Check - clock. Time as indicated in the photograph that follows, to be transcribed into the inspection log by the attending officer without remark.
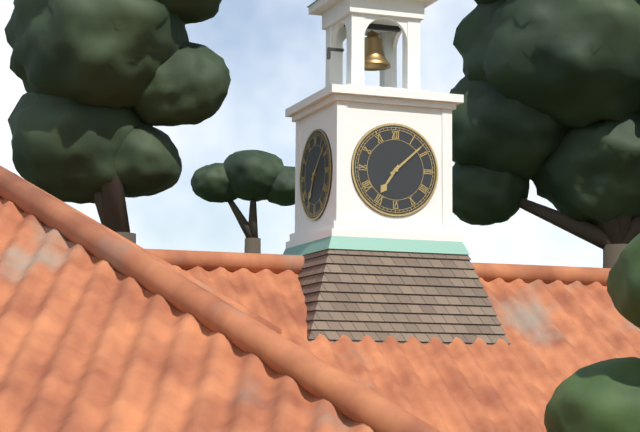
7:08
